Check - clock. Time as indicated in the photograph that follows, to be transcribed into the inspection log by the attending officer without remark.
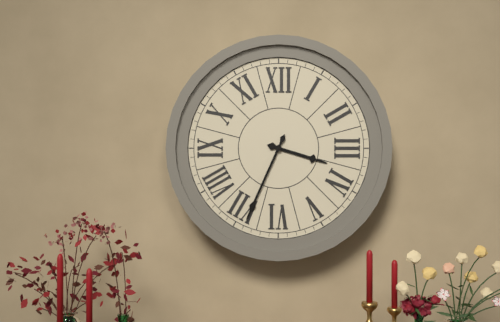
3:34
